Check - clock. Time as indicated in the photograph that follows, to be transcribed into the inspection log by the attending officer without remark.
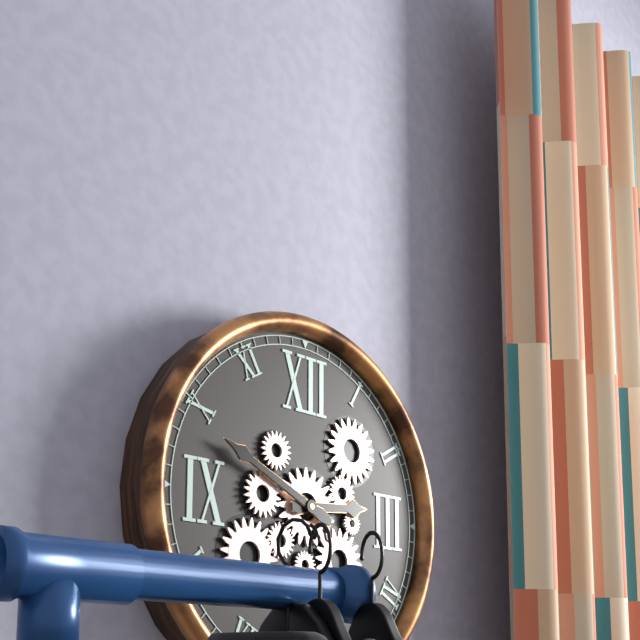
2:49
